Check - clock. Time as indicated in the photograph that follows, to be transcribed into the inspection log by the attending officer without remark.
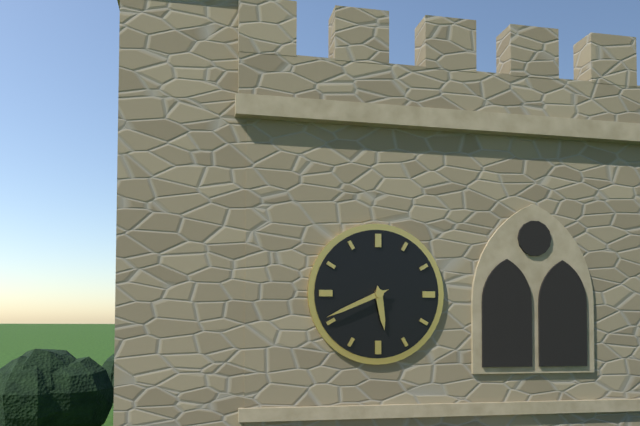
5:41
